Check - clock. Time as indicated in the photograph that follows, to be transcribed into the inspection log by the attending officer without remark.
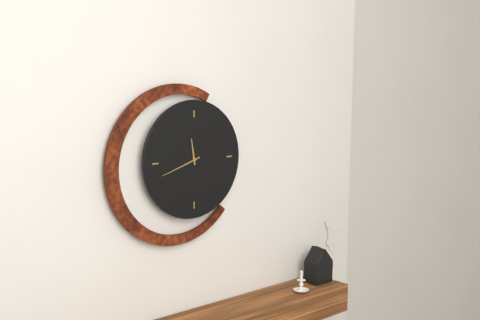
11:42
